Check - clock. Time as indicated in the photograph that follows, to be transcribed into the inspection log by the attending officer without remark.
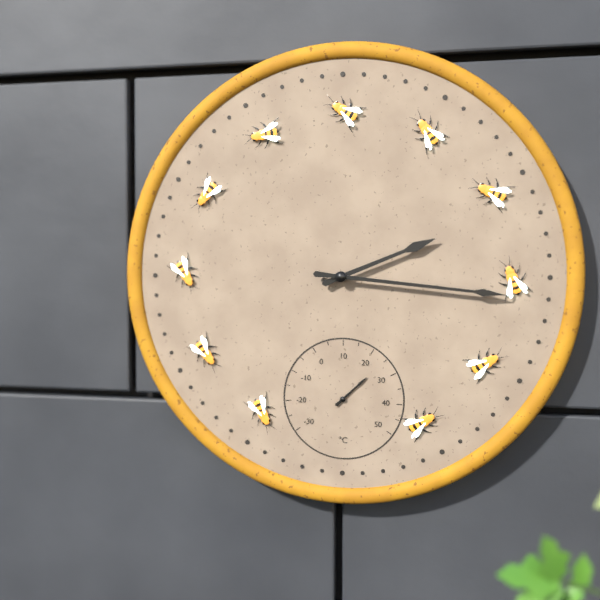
2:16
